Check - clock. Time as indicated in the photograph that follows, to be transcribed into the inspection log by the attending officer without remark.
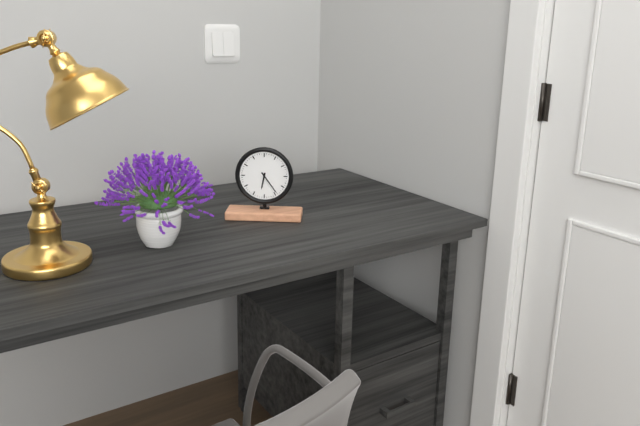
6:24
